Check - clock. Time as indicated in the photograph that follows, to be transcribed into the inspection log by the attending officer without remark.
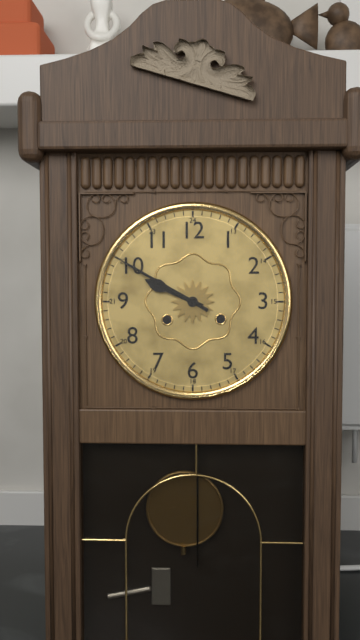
9:50
